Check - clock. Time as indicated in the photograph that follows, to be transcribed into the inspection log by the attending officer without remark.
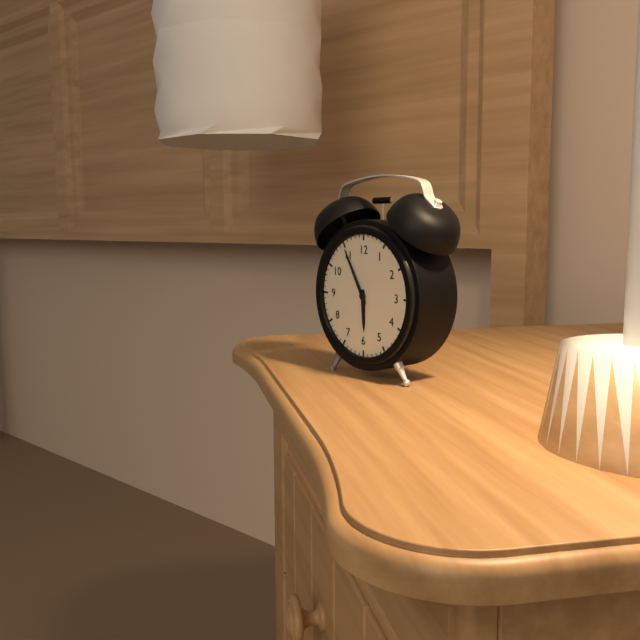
5:55
